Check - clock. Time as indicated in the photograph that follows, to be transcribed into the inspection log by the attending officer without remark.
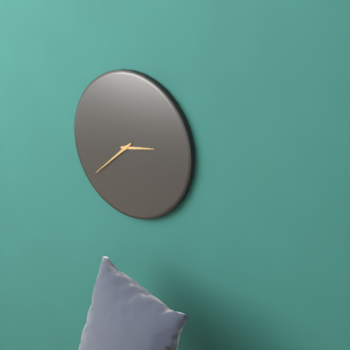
2:38
